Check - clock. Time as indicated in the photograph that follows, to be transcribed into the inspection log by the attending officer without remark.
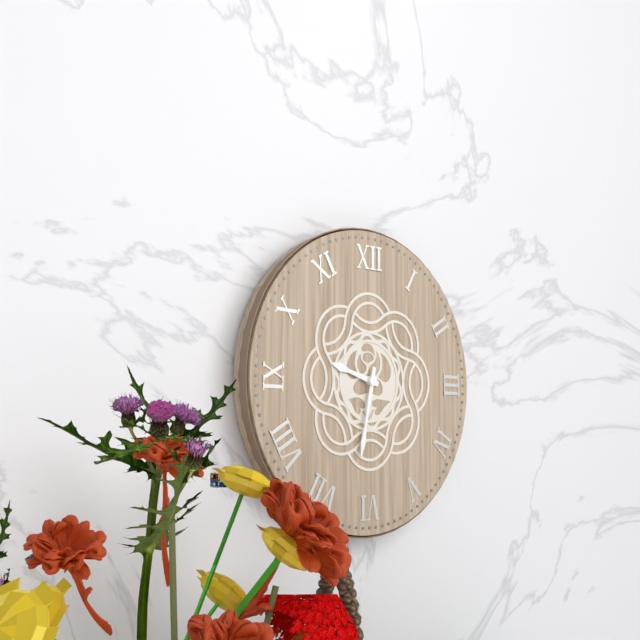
9:32
